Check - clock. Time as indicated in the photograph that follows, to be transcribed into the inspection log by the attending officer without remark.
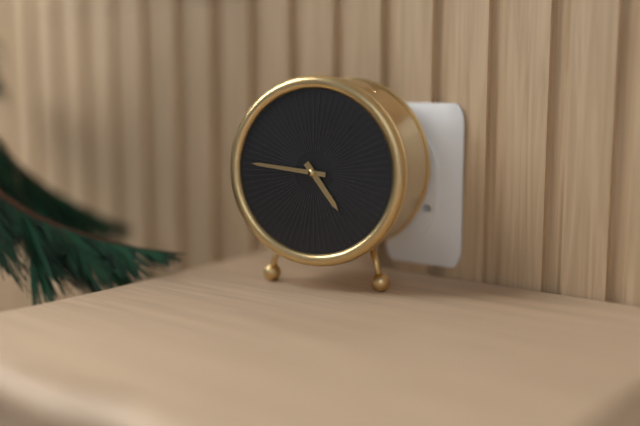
4:46
